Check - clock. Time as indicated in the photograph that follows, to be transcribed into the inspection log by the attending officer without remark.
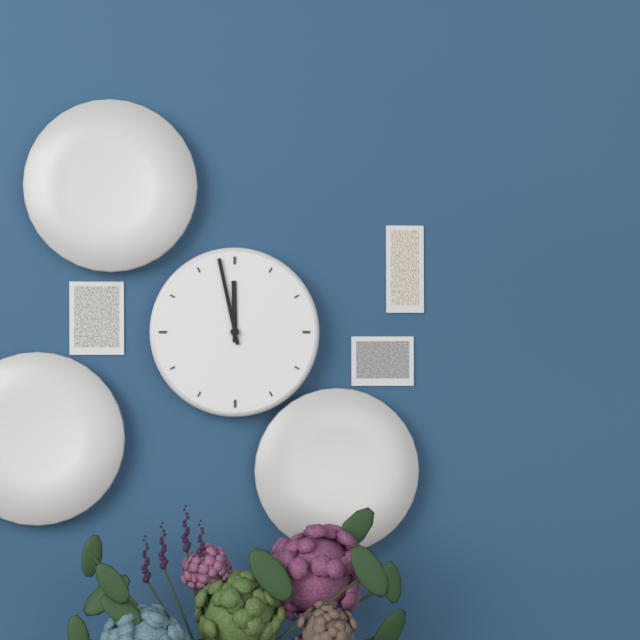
11:58
